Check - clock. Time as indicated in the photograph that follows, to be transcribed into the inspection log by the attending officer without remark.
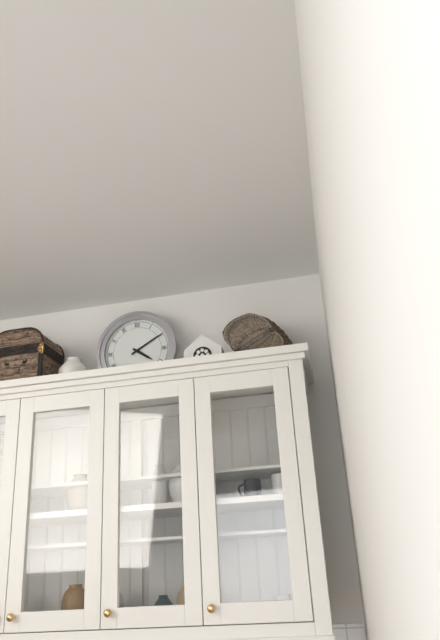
4:10
